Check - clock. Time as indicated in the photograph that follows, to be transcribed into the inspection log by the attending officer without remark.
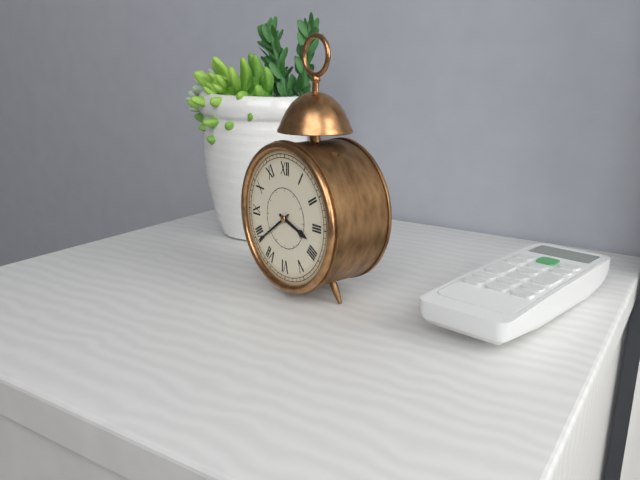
3:39
